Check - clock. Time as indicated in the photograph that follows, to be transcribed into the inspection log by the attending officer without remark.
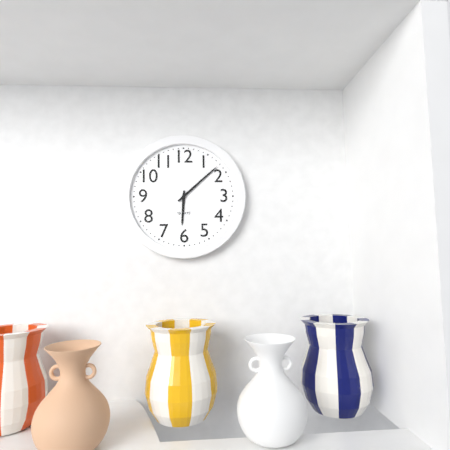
6:08
